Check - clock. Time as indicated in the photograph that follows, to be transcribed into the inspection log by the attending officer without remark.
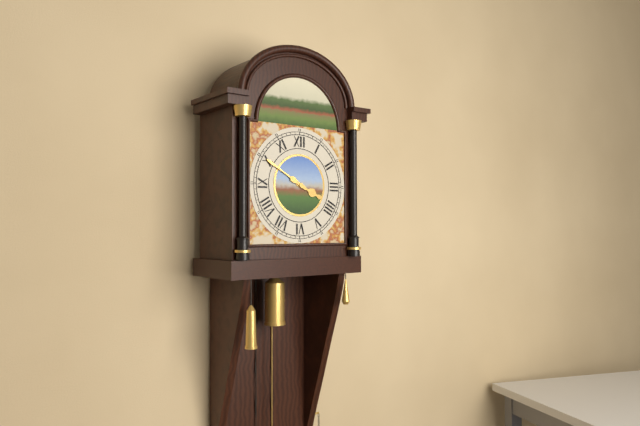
3:50
